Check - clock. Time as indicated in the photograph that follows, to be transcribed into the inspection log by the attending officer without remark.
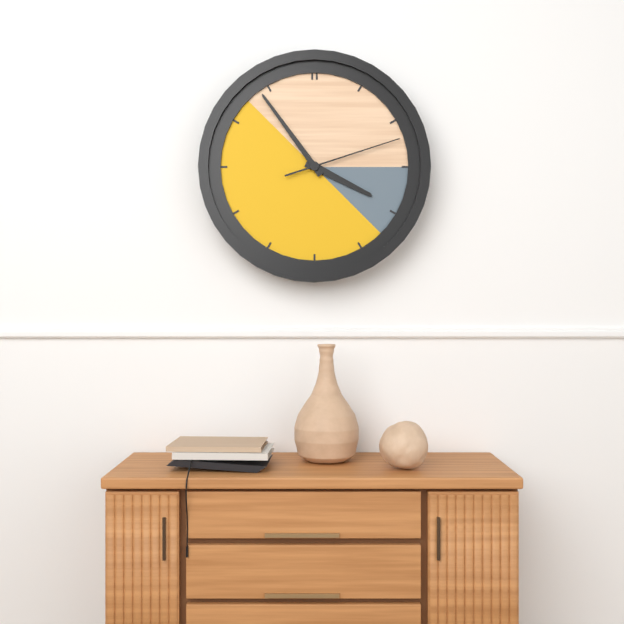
3:54:12
